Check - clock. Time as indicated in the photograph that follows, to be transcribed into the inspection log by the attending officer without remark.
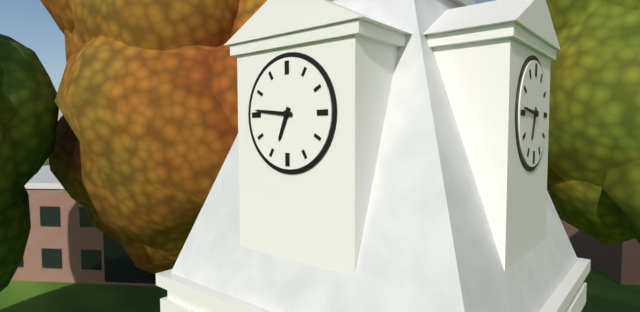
6:46
